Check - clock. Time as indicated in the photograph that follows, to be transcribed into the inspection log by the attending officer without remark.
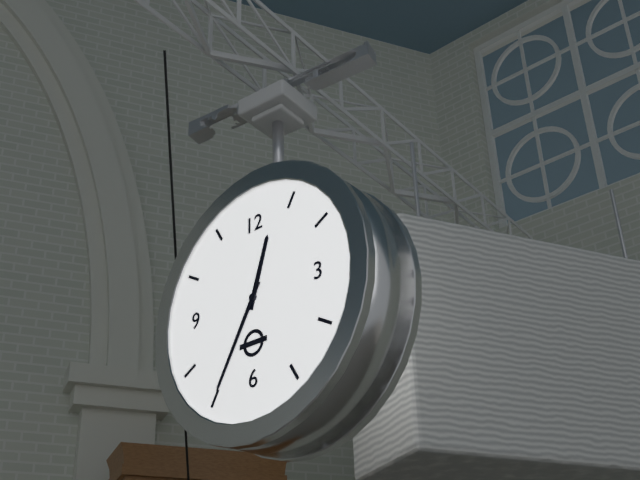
12:35
